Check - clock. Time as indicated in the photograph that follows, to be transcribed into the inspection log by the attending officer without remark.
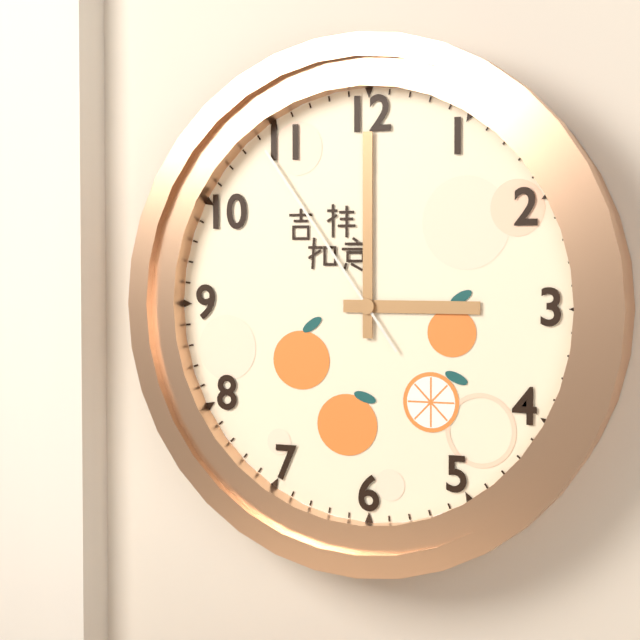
3:00:54
